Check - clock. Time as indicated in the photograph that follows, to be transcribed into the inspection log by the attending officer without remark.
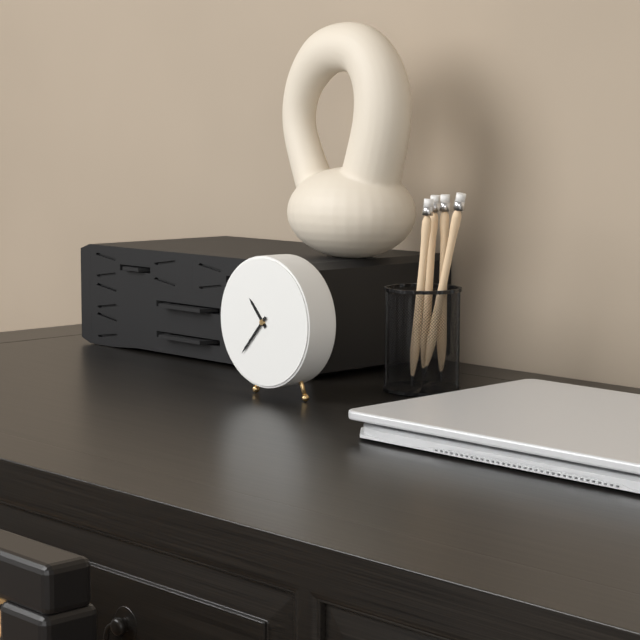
10:37
